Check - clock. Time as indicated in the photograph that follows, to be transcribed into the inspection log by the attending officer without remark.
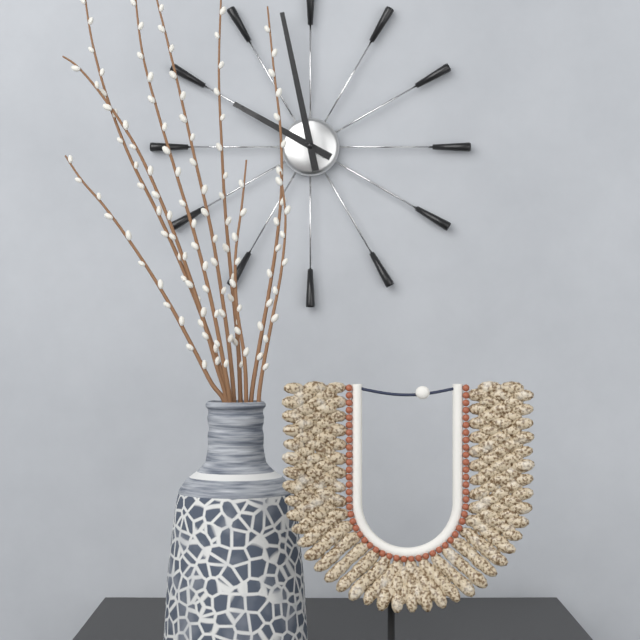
9:58
